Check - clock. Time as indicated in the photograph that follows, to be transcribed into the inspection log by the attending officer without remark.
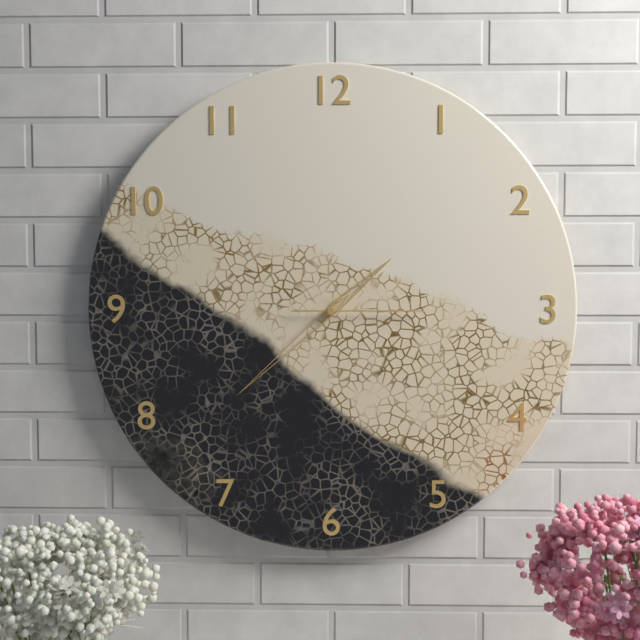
1:38:15
